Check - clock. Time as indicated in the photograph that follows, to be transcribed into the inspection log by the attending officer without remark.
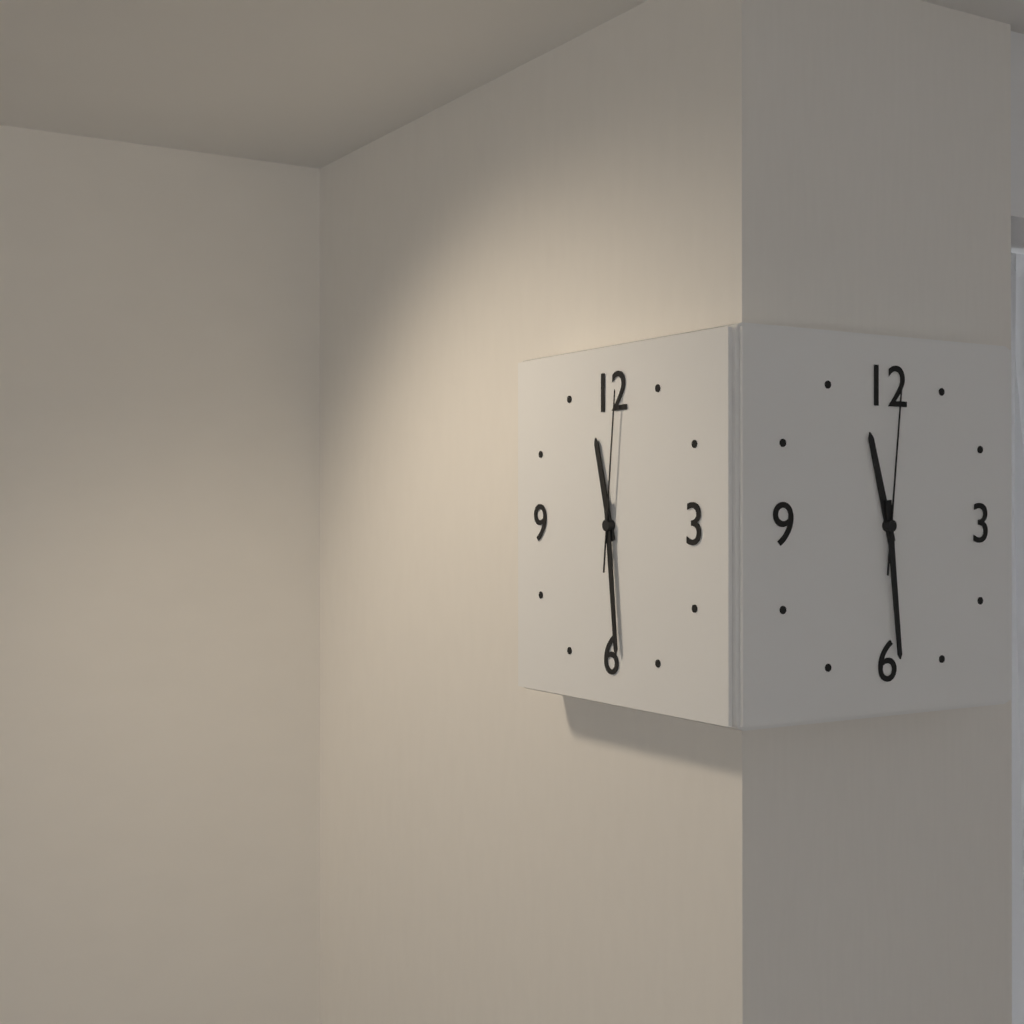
11:29:01
